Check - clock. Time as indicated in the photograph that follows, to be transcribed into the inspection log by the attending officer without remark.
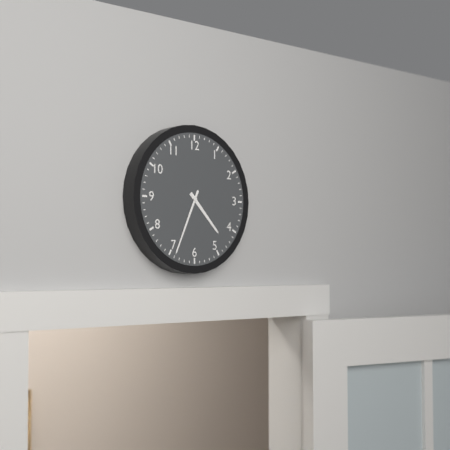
4:34
